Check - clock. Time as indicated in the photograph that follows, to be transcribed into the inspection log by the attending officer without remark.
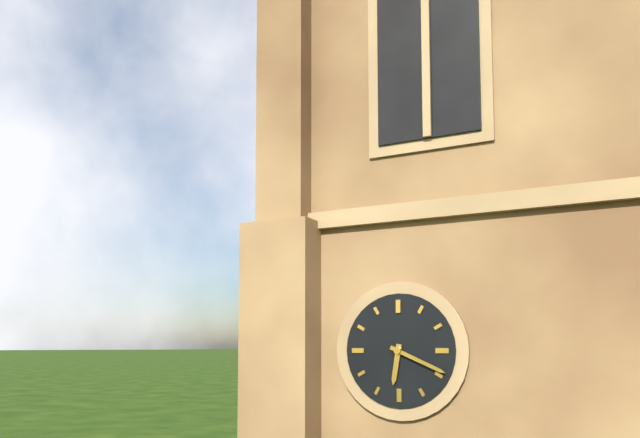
6:19
